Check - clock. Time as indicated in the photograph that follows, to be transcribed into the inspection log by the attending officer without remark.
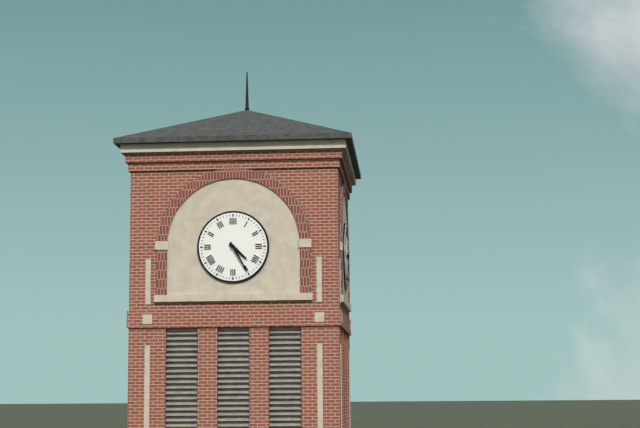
4:25
